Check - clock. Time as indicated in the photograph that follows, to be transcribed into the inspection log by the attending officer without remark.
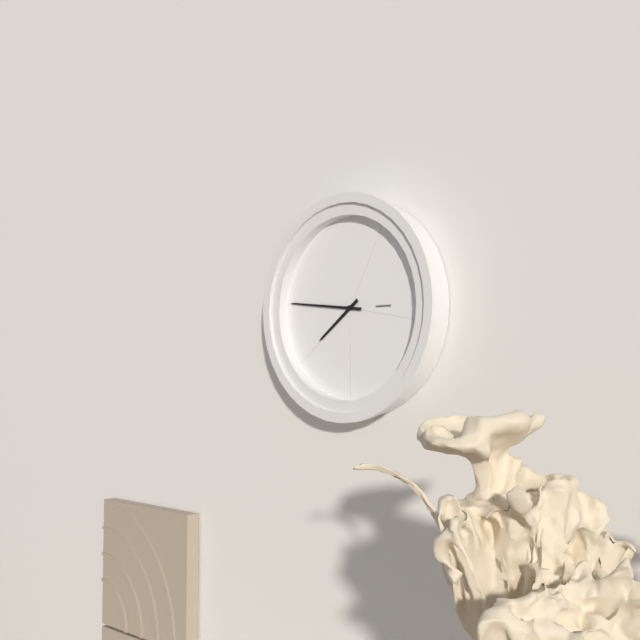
7:46
